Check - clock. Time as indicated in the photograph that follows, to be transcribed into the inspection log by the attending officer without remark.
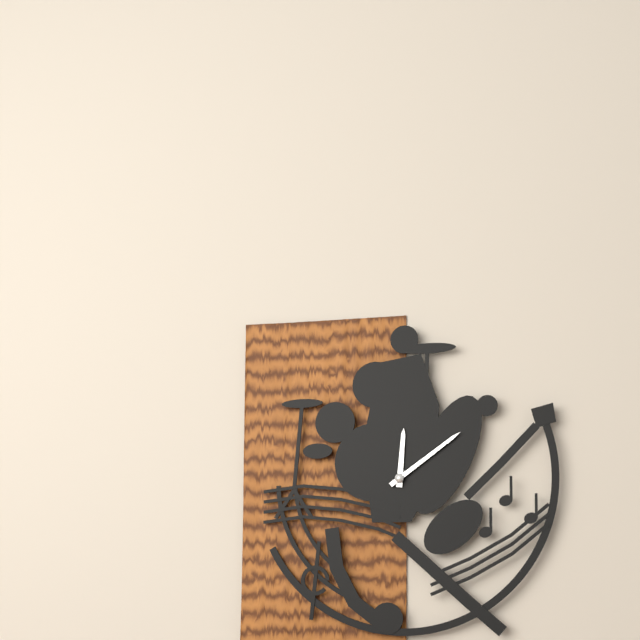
12:09
